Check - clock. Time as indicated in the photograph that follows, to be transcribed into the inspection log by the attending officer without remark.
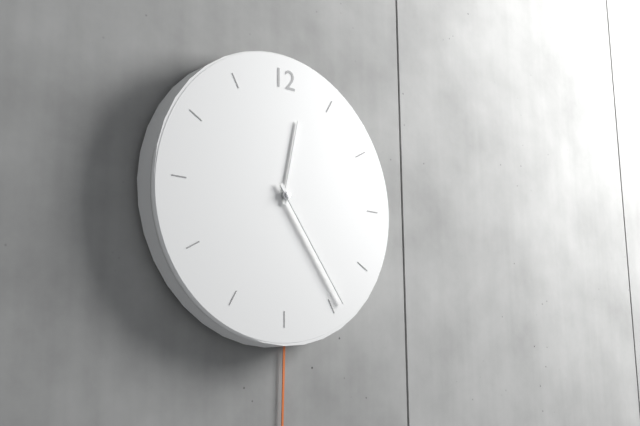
12:24
